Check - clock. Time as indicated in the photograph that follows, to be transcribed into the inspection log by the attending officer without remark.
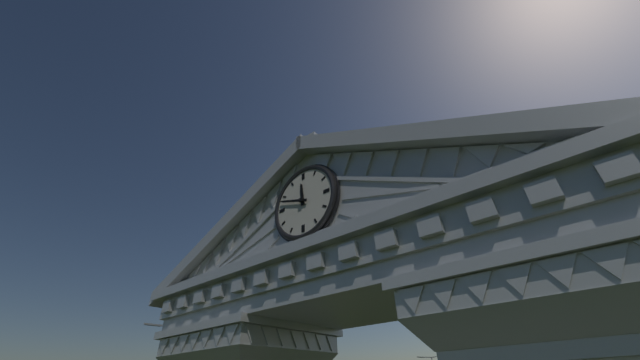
11:48
